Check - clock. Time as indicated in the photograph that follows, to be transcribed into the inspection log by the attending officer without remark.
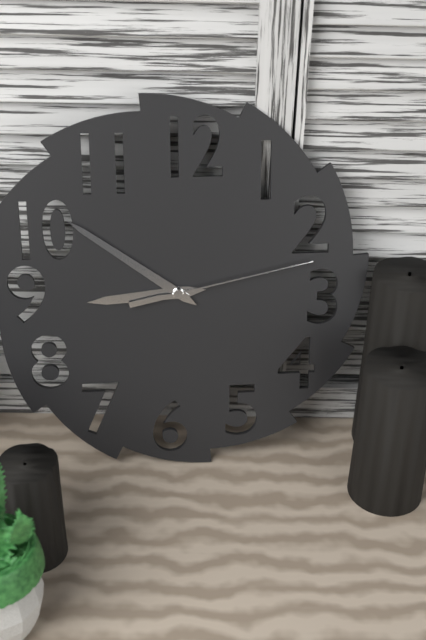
8:51:13
